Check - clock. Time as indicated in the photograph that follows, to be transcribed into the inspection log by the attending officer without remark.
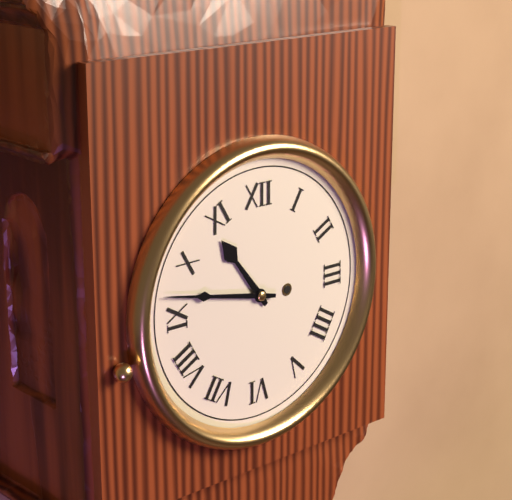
10:47
